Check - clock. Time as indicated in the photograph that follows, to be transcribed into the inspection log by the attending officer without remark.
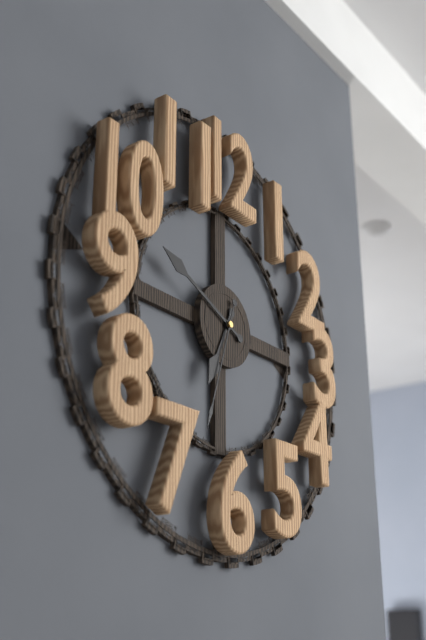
6:49:33
